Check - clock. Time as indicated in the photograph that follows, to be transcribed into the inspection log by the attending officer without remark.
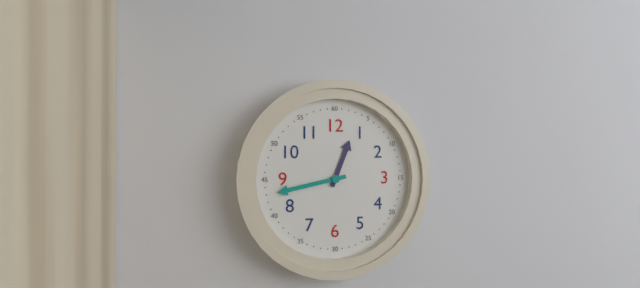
12:43
